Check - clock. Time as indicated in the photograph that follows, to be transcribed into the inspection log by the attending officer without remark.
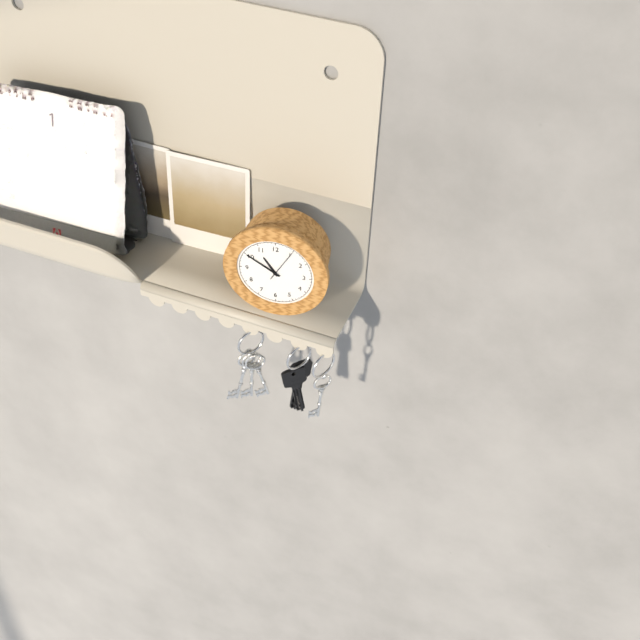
10:50
